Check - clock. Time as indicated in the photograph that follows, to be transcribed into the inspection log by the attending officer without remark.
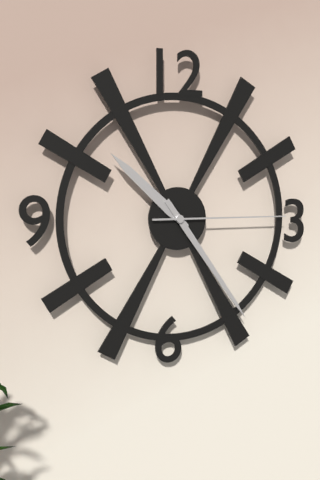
10:24:15
